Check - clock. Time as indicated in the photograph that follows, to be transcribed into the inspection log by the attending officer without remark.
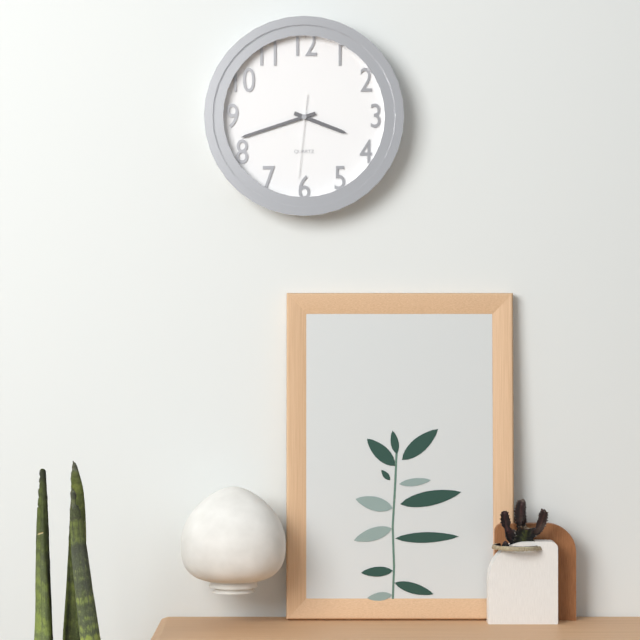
3:42:31
